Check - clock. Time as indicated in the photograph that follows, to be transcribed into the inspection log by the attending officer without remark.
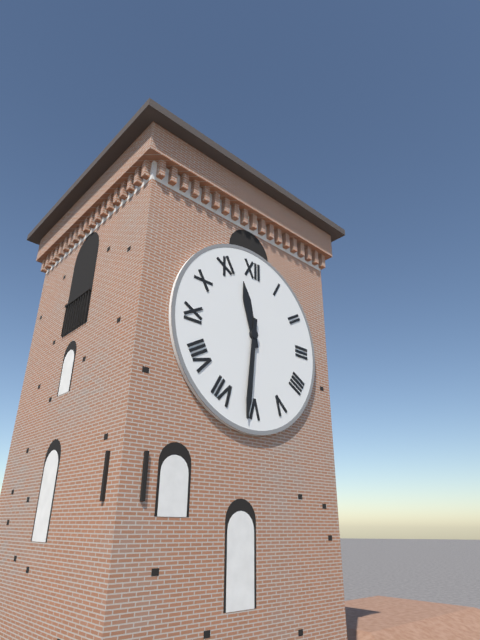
11:31
